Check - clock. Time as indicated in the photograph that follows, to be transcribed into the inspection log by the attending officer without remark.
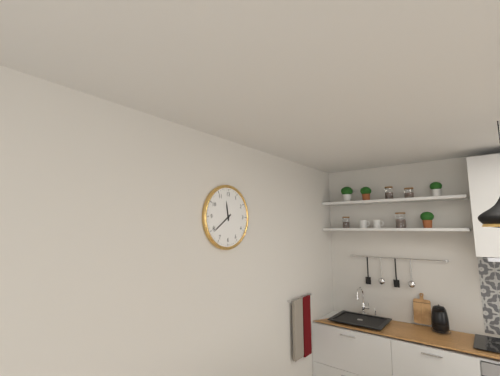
11:39
